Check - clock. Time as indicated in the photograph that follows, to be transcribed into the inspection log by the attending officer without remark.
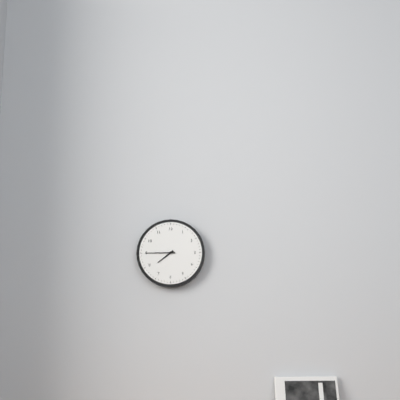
7:45
